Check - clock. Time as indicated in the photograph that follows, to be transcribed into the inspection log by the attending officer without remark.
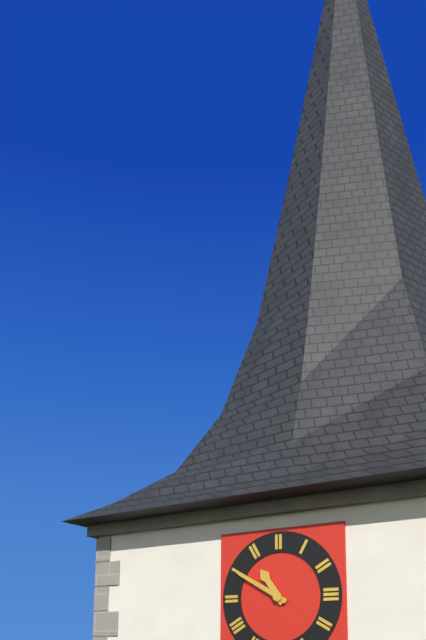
10:50
